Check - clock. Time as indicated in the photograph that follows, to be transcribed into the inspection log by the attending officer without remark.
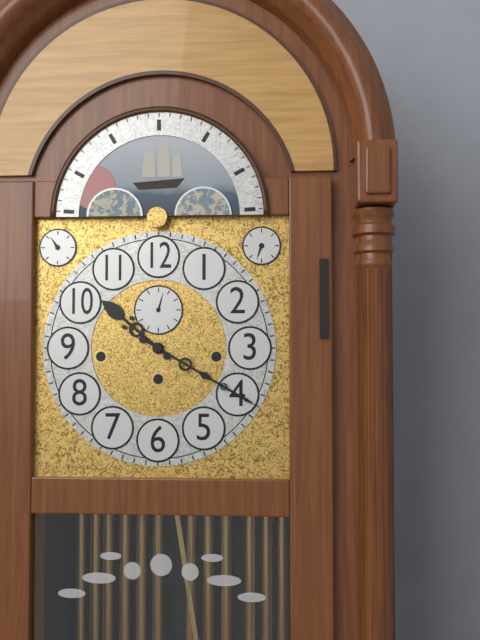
10:20
